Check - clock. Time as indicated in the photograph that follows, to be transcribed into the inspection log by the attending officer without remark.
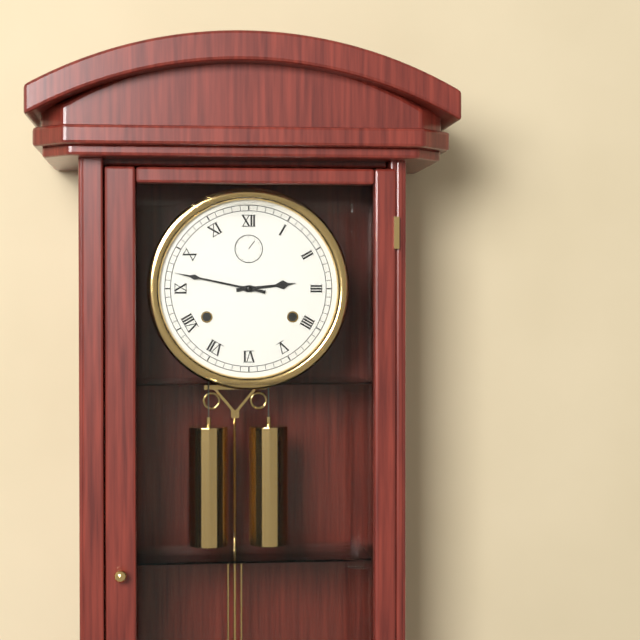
2:47
